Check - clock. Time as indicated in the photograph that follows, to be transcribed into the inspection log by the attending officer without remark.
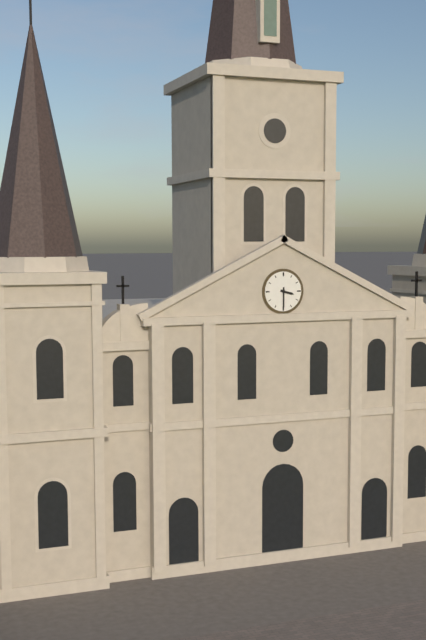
3:30
